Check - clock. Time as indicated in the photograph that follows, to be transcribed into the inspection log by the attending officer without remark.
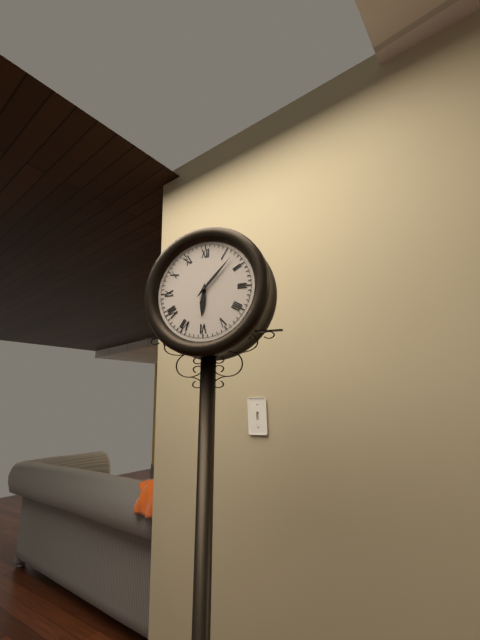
6:07
